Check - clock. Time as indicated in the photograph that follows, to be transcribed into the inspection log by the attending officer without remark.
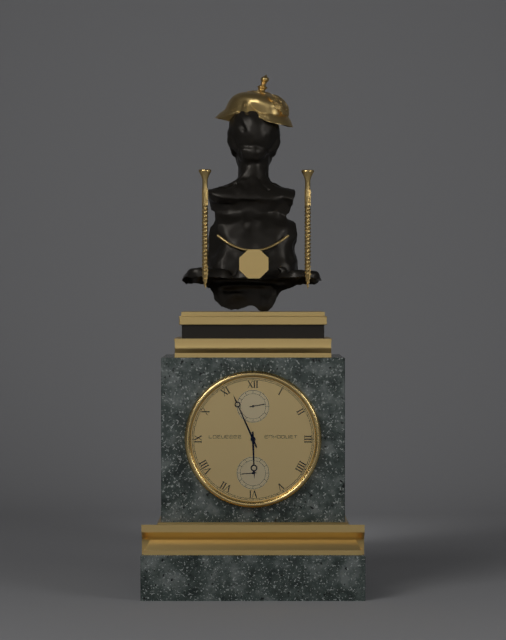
5:56
